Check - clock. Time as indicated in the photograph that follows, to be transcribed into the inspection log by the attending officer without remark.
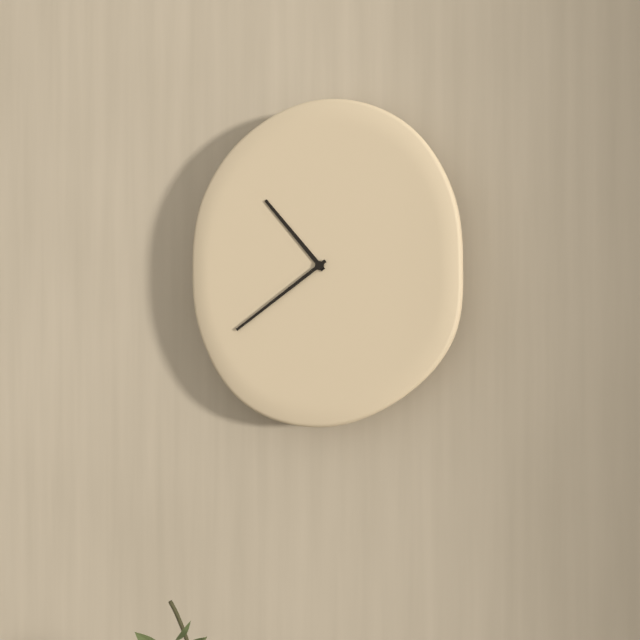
10:39
